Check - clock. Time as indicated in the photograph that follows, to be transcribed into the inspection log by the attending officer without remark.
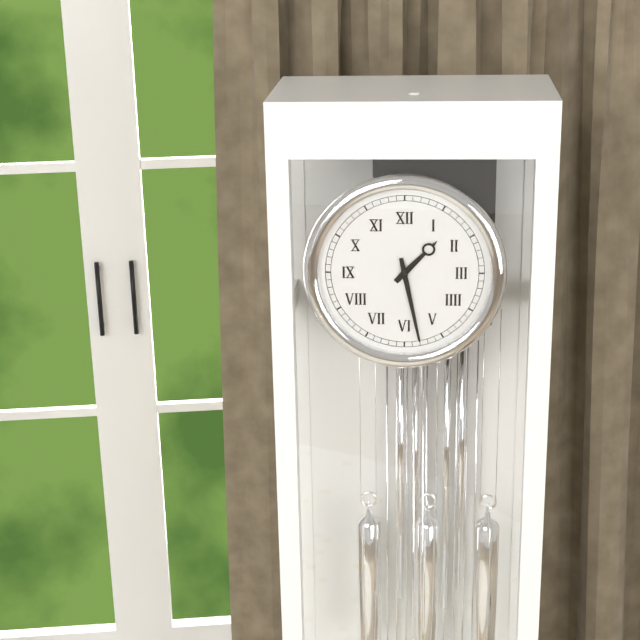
1:28
